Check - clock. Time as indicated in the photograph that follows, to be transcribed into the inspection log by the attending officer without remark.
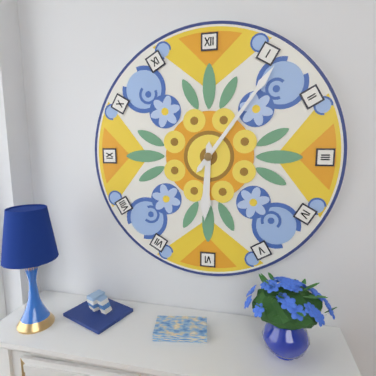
6:06
